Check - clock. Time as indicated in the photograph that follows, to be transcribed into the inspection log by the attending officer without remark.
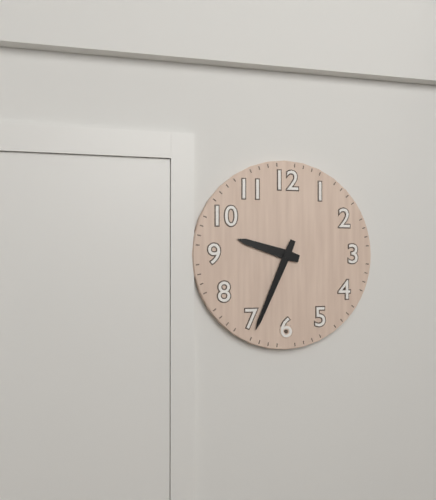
9:34
